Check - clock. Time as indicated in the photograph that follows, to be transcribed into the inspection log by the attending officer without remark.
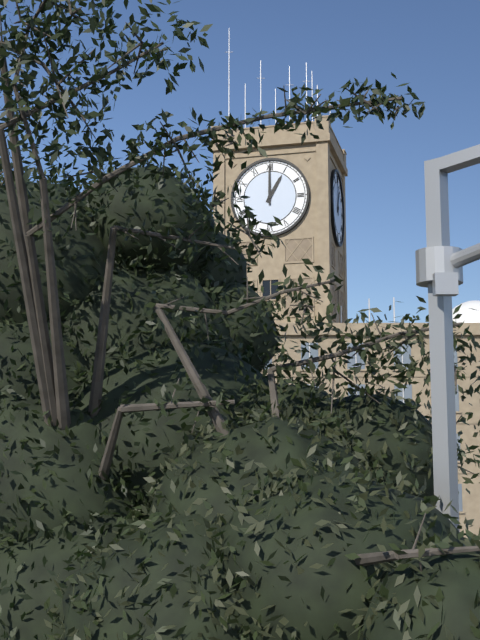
1:00
